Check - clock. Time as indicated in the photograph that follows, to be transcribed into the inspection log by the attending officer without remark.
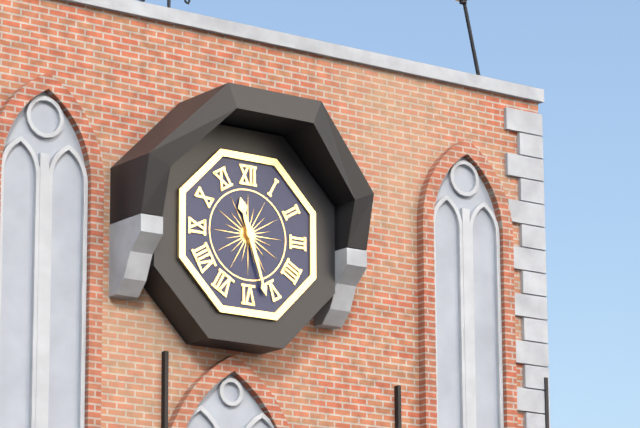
11:27
